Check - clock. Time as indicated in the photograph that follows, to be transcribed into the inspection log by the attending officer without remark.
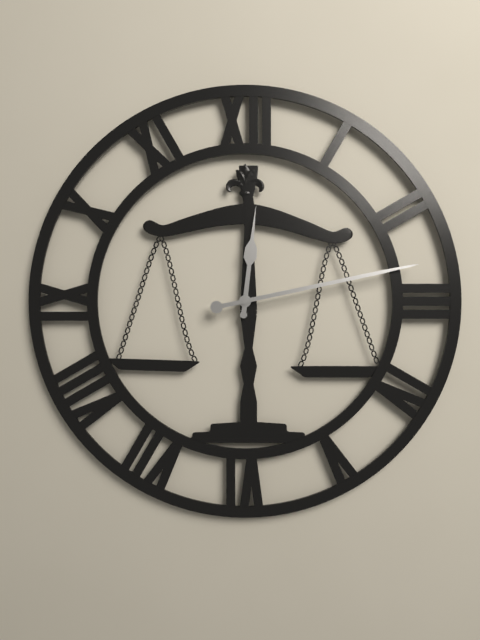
12:13
